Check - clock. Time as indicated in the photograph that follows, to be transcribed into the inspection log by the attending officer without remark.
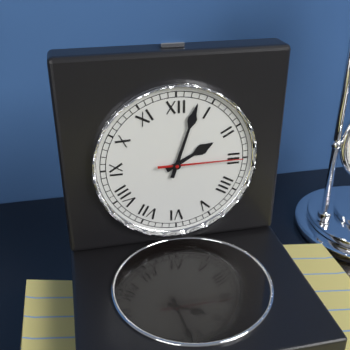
2:03:15
